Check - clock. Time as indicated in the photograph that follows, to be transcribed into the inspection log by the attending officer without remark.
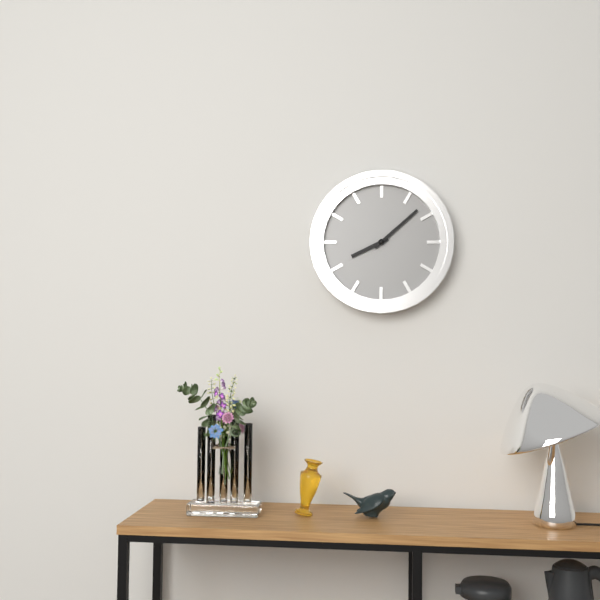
8:08
